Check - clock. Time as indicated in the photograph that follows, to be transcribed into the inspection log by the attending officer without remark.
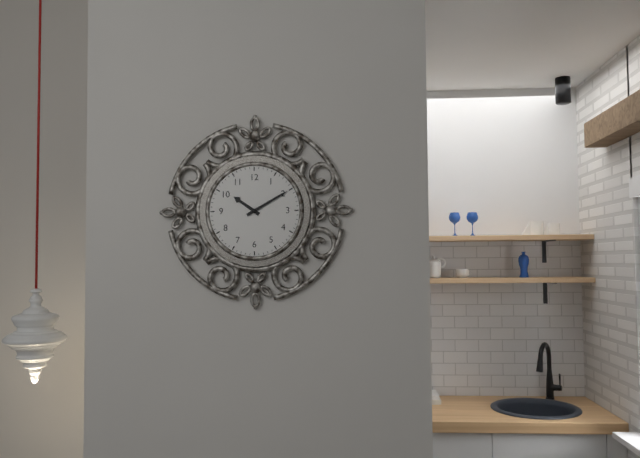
10:10
